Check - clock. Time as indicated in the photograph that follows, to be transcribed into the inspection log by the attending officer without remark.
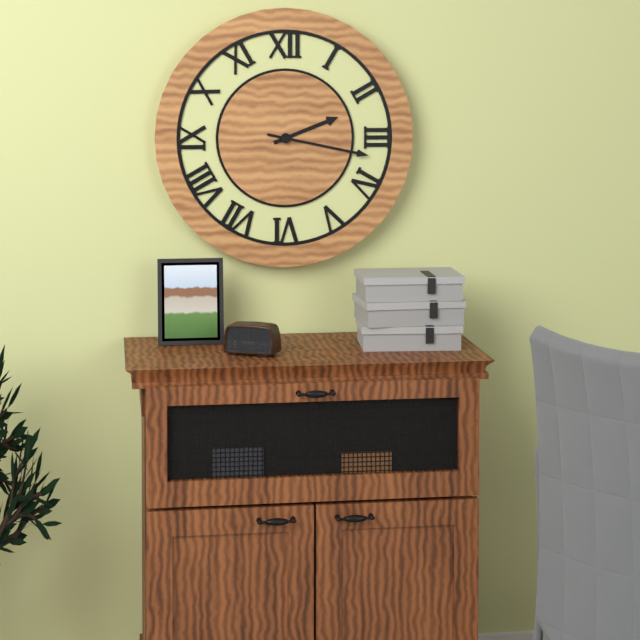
2:17
